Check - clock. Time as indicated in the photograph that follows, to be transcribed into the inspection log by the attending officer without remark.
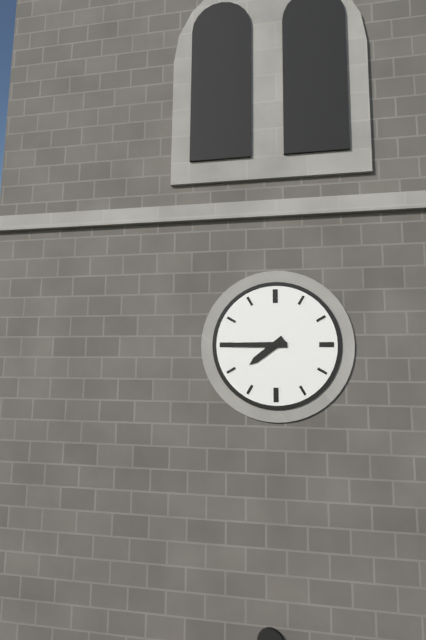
7:45
